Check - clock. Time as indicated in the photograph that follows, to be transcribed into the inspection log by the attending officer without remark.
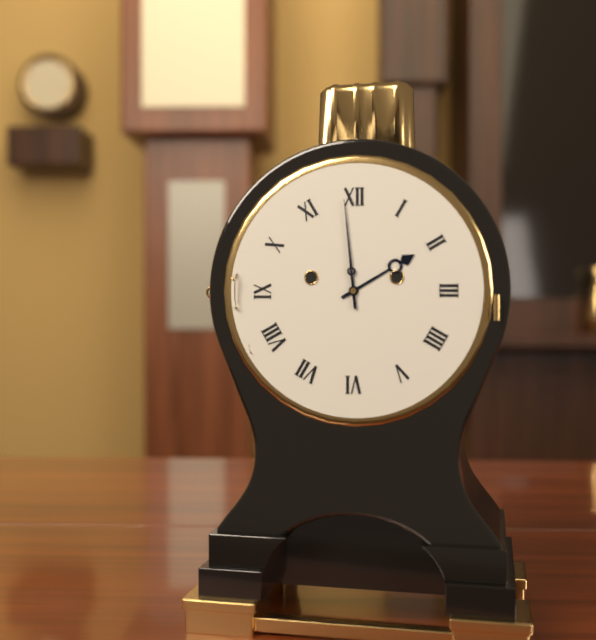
1:59
